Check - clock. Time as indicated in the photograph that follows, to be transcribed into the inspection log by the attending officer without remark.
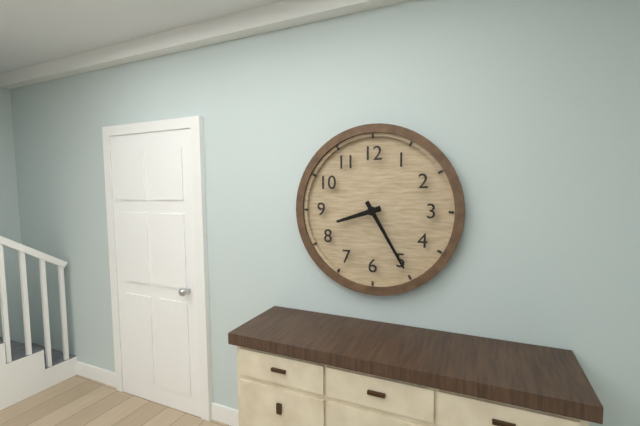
8:25
